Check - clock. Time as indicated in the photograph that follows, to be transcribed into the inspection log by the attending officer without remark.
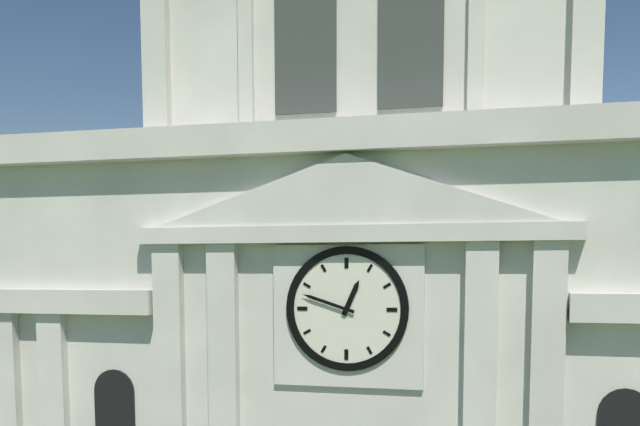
12:48
